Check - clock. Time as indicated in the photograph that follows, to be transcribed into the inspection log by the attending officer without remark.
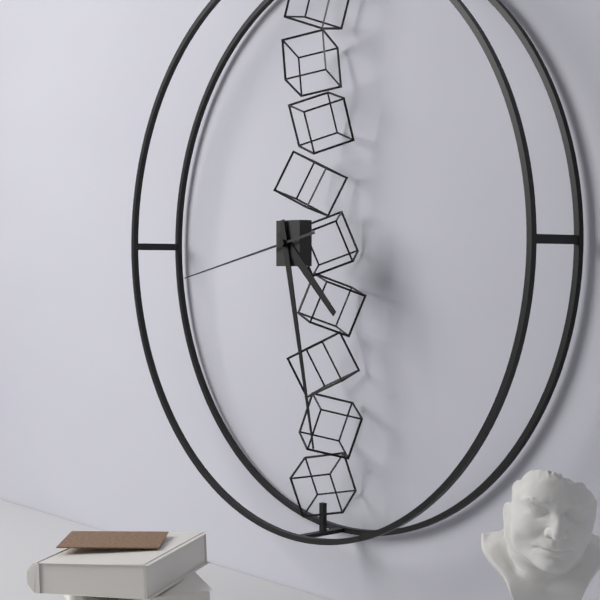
4:28:43
